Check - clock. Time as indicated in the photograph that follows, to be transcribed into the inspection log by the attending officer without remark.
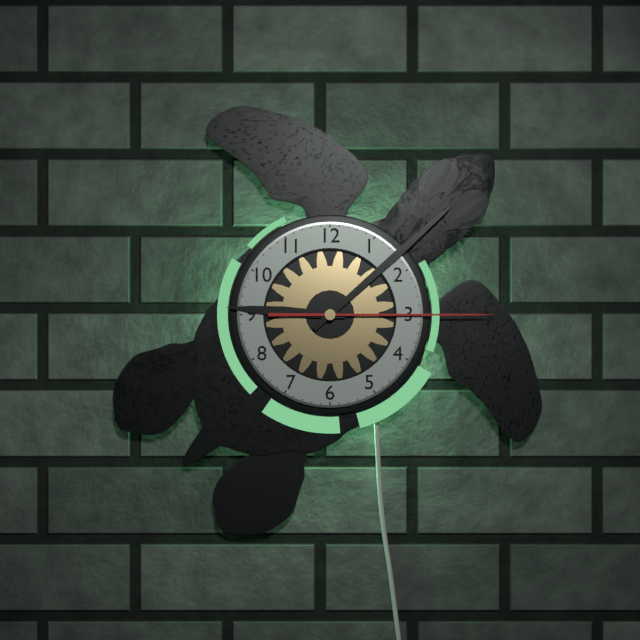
9:08:15
